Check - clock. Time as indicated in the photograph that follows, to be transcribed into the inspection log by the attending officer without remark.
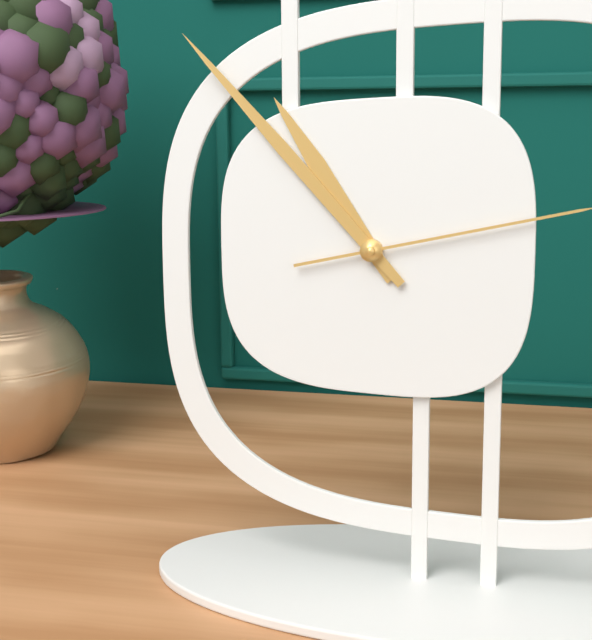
10:53
